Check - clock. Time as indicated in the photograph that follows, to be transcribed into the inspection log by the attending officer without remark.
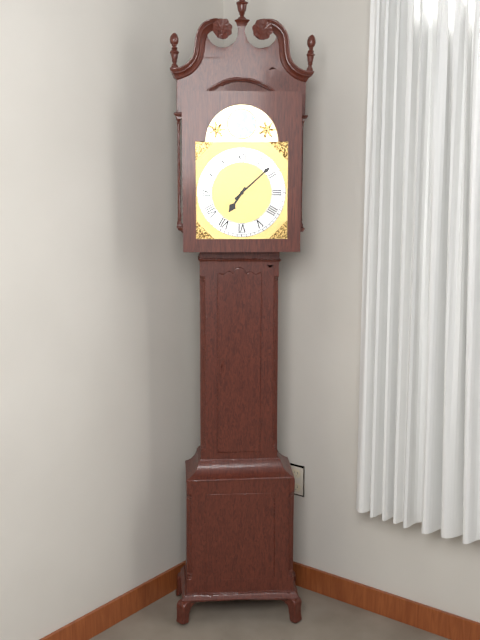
7:08
